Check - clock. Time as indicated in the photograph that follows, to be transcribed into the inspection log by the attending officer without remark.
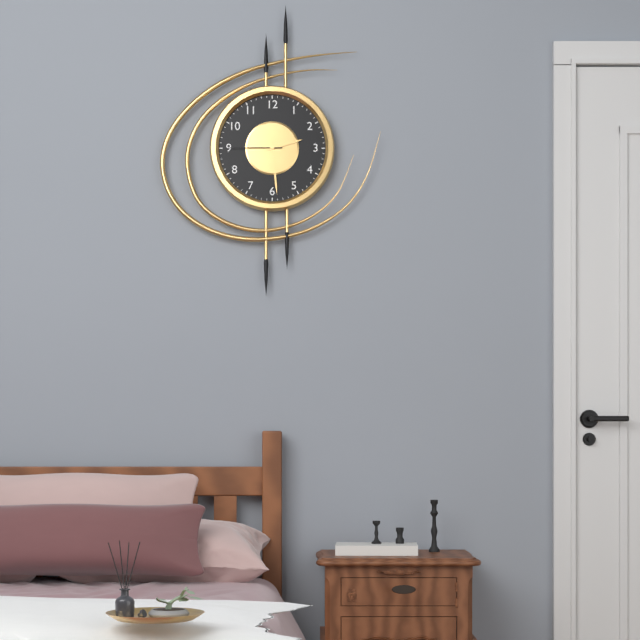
2:29:45
